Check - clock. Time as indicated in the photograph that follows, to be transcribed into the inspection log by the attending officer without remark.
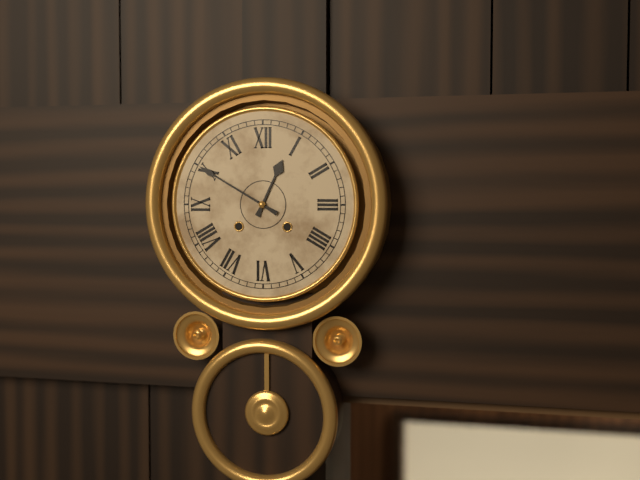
12:50
